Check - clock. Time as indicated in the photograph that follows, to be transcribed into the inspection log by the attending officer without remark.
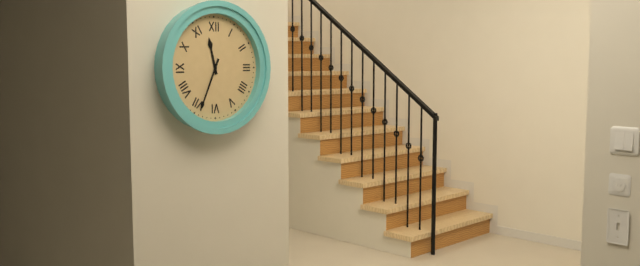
11:34
